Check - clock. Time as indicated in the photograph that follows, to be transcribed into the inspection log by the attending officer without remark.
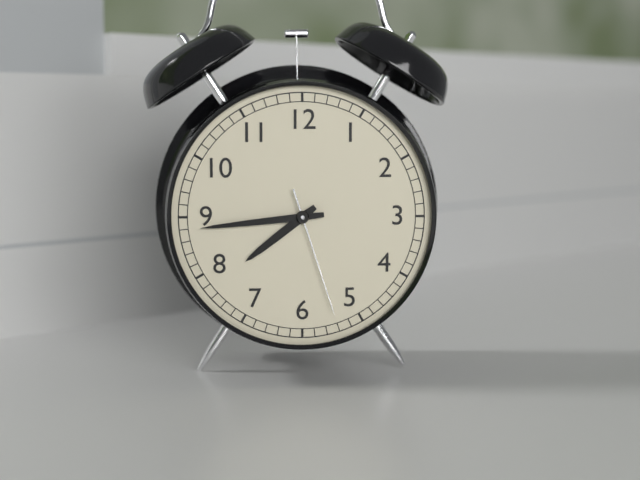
7:44:27
